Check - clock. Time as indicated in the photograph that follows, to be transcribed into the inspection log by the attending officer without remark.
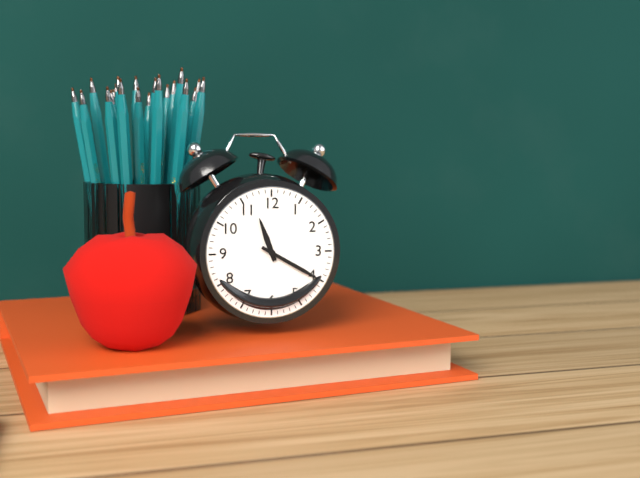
11:20
